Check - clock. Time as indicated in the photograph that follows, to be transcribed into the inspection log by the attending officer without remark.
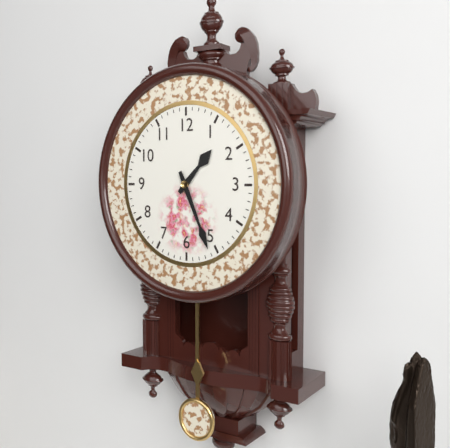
1:26
